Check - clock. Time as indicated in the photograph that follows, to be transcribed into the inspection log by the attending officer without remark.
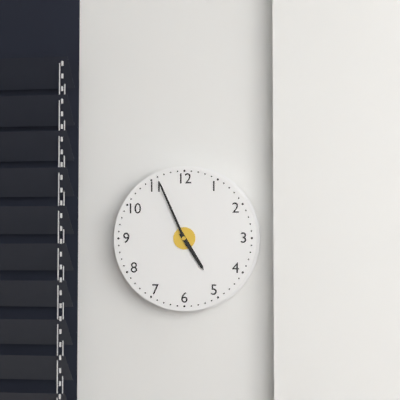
4:56
